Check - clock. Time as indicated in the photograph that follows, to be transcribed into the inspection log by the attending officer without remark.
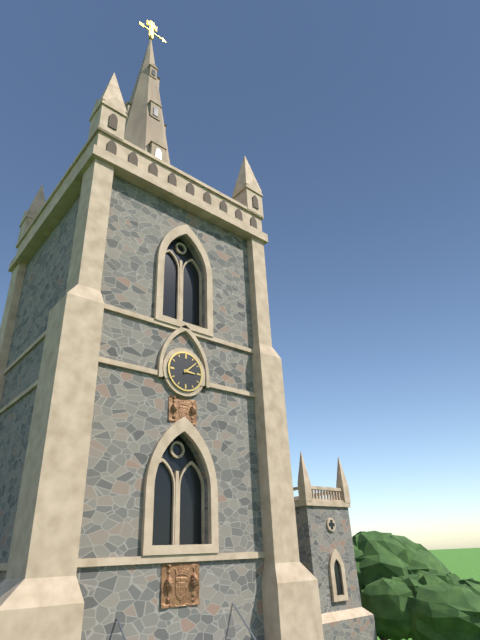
3:08
